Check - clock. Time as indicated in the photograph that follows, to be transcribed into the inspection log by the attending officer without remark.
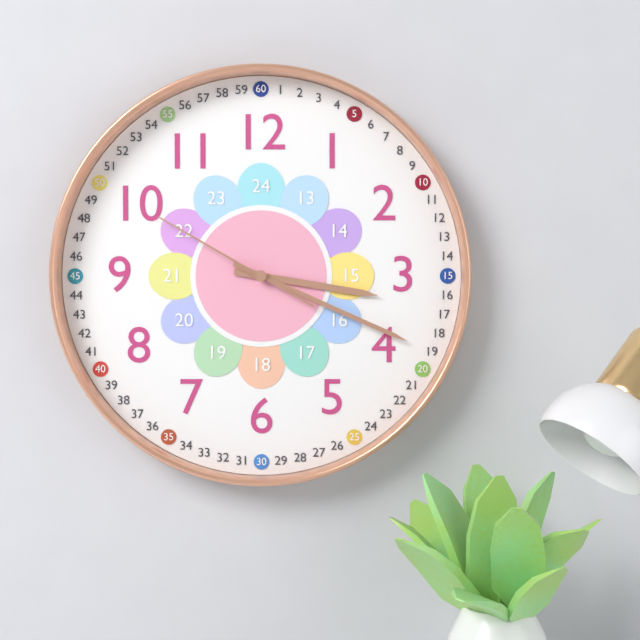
3:19:50
